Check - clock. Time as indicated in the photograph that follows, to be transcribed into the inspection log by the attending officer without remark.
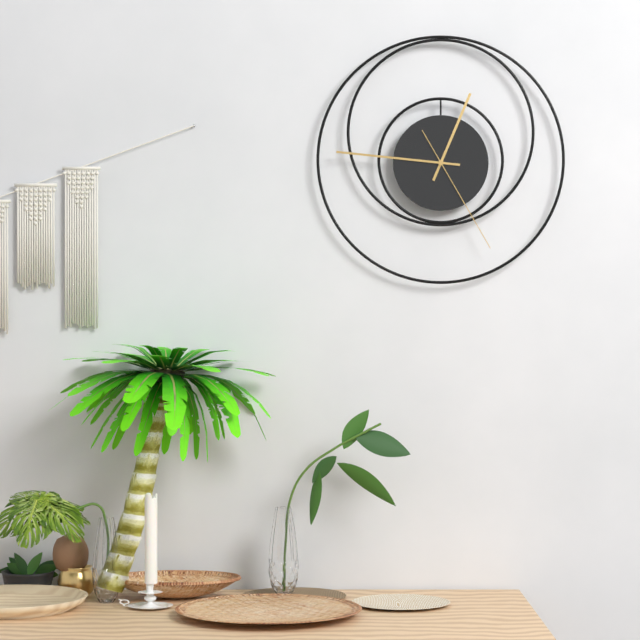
12:46:25
